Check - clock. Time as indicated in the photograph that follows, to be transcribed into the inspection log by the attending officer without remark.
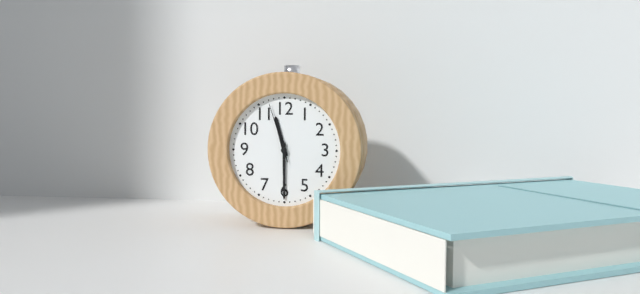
11:30:57
